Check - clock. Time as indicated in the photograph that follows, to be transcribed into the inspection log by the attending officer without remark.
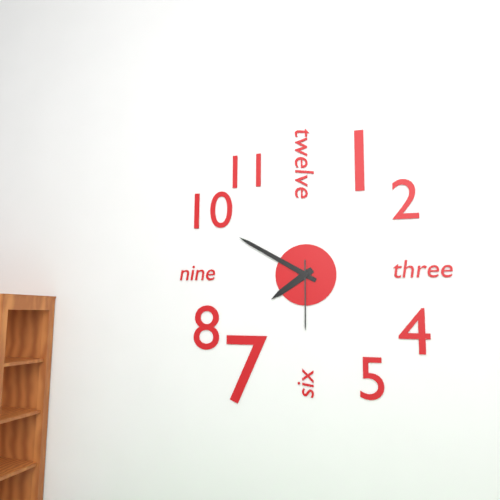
7:50:30
